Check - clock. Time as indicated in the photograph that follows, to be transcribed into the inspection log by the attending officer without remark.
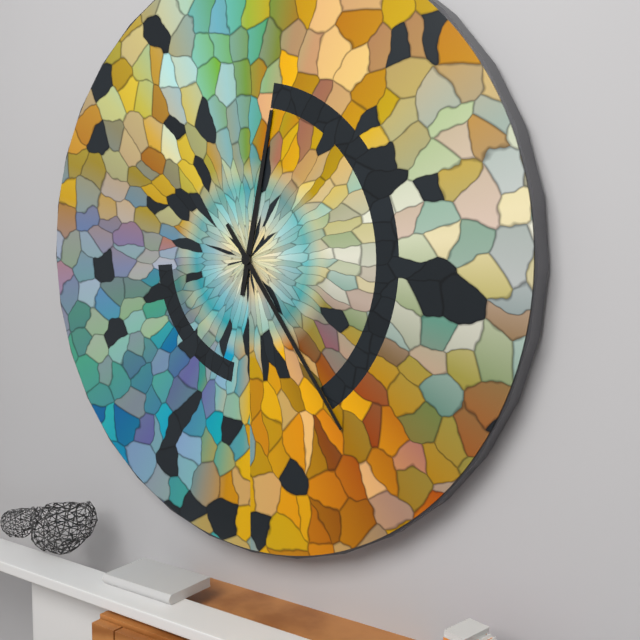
12:24
